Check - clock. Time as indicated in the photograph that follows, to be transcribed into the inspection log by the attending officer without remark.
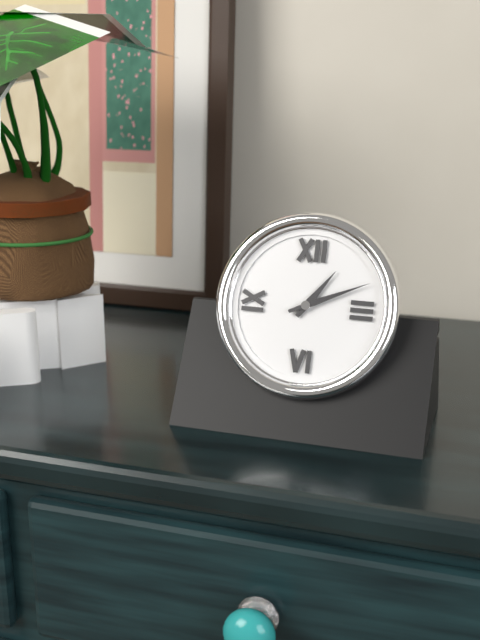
1:11
